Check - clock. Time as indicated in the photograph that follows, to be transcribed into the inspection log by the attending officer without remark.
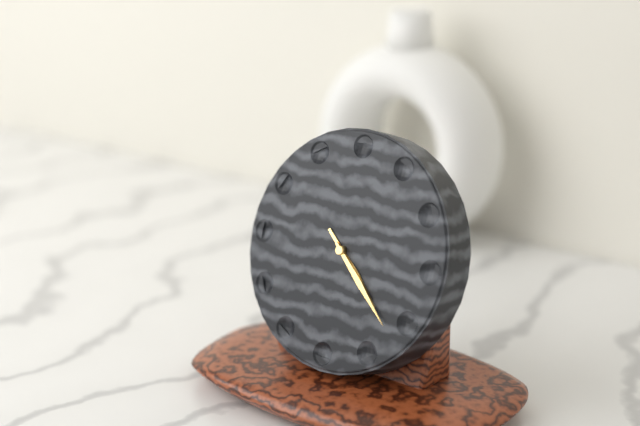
4:22
